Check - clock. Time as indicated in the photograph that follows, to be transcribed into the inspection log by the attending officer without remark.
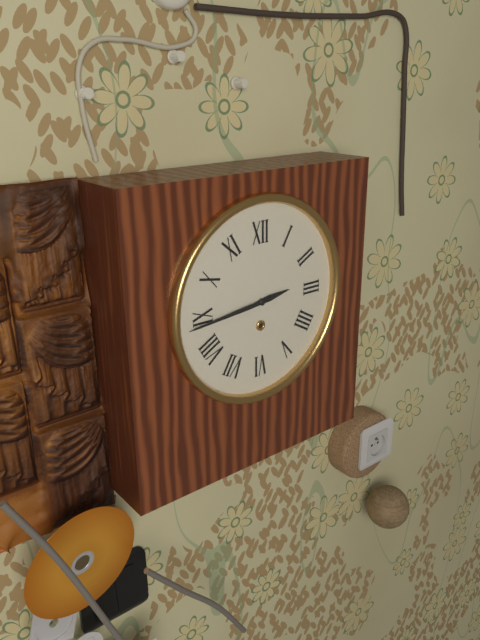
2:44
